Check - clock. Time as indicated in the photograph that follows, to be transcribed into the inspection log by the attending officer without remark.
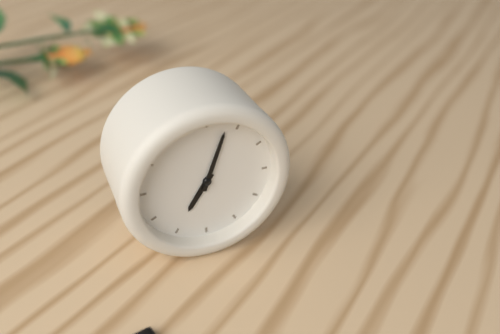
7:03
